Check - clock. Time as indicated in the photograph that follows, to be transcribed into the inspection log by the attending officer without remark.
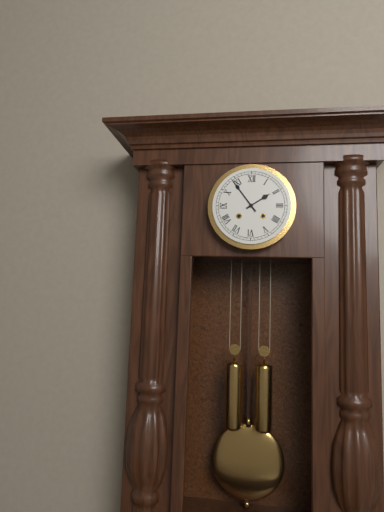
1:54
